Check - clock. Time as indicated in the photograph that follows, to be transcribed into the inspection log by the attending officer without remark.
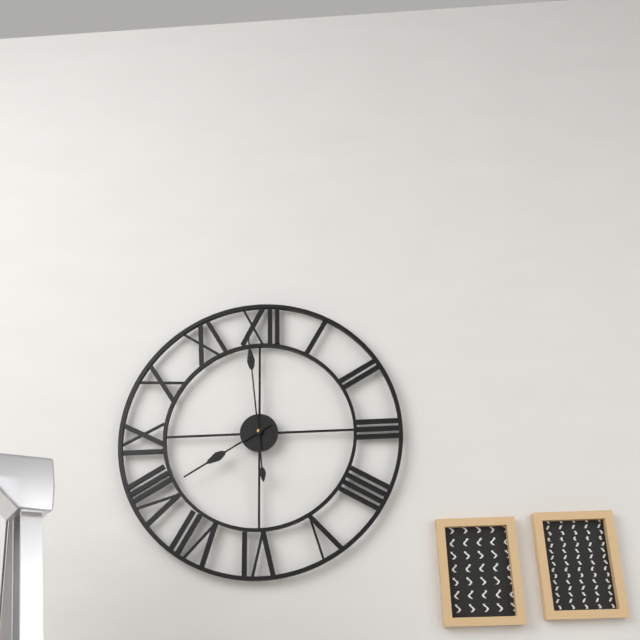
7:59
